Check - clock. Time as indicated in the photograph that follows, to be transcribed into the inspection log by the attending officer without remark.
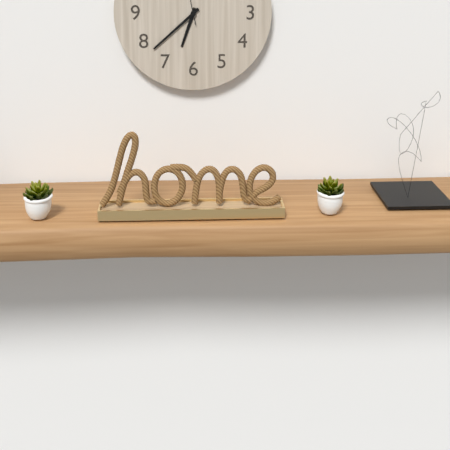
6:38
